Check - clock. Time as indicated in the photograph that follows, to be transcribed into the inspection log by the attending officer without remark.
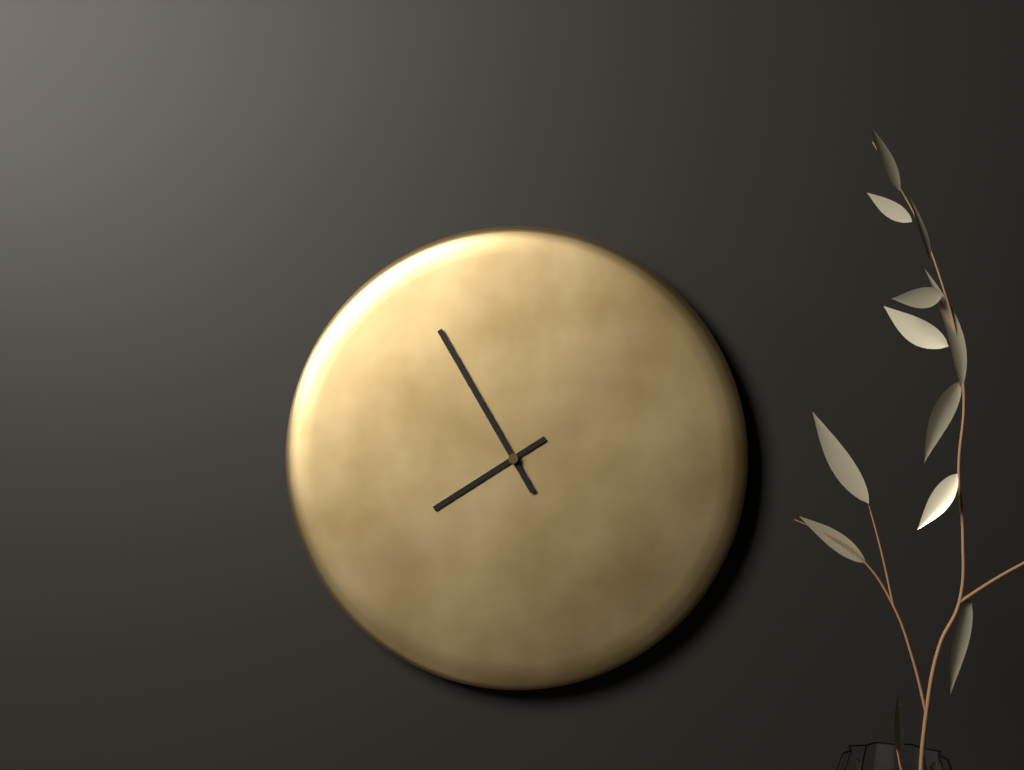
7:55
